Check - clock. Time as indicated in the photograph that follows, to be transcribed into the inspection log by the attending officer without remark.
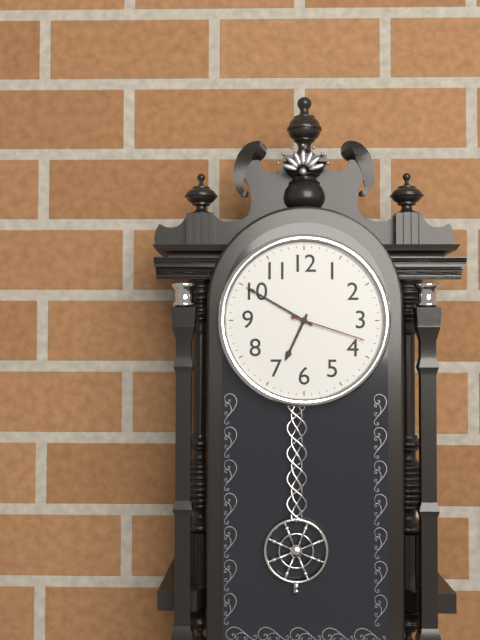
6:50:18
